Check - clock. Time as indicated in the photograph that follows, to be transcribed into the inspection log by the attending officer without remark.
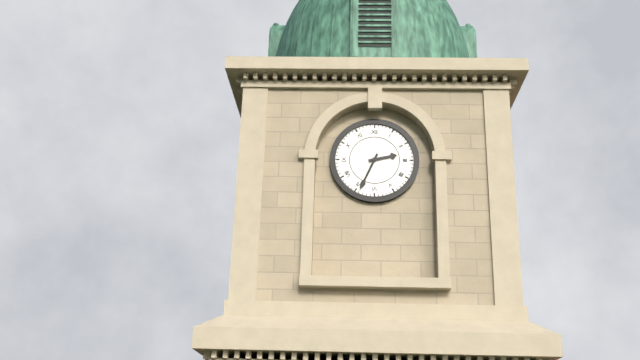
2:34
